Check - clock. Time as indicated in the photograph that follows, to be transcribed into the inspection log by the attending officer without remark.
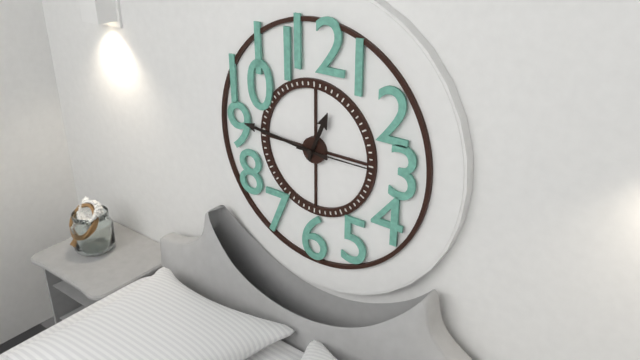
12:46:15
